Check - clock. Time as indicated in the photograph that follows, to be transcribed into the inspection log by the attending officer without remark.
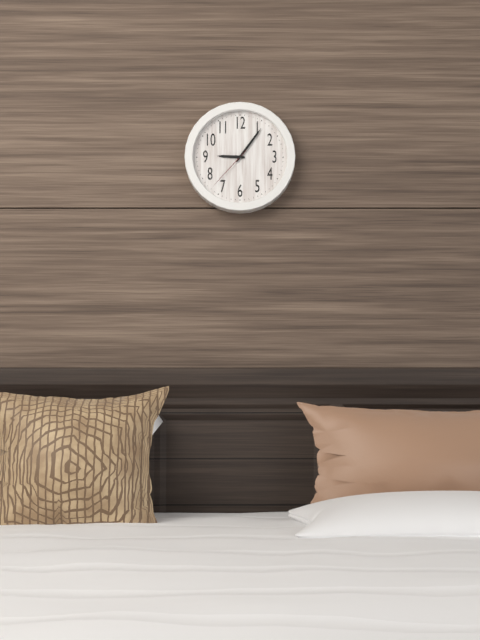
9:06
